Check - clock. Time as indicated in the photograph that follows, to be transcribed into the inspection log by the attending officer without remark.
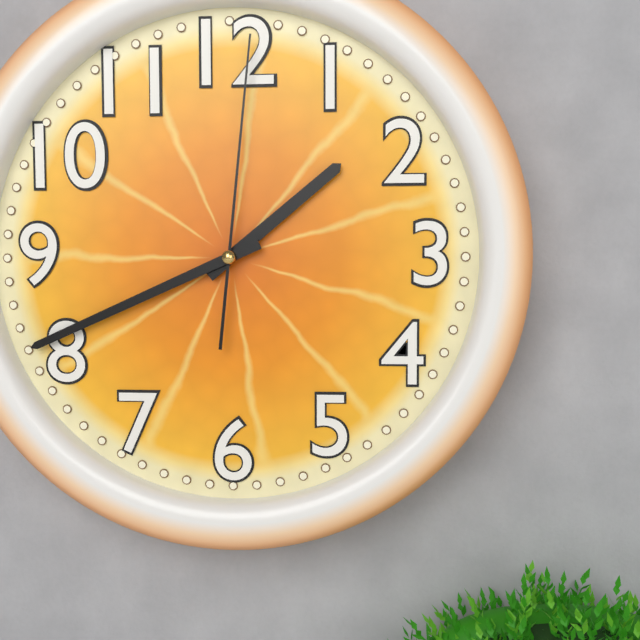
1:41:01
